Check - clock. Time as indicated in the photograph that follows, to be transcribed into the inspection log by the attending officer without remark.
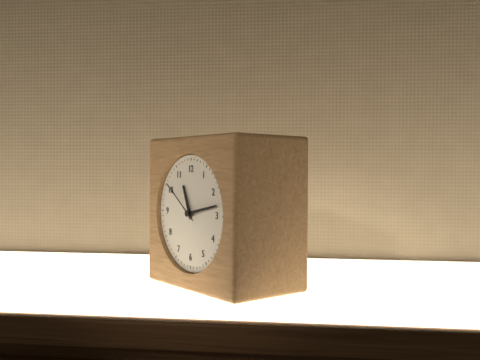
11:13
